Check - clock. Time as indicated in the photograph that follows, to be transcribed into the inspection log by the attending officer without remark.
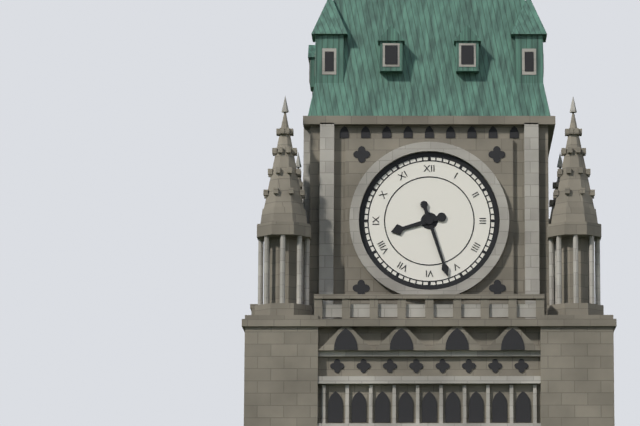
8:27
